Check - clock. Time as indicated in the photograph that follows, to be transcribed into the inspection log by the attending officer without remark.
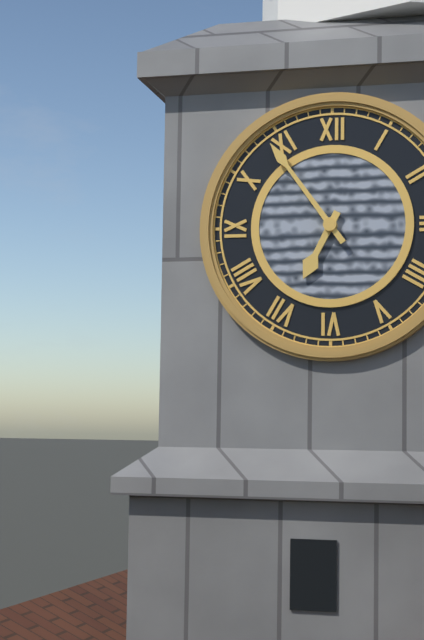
6:54
